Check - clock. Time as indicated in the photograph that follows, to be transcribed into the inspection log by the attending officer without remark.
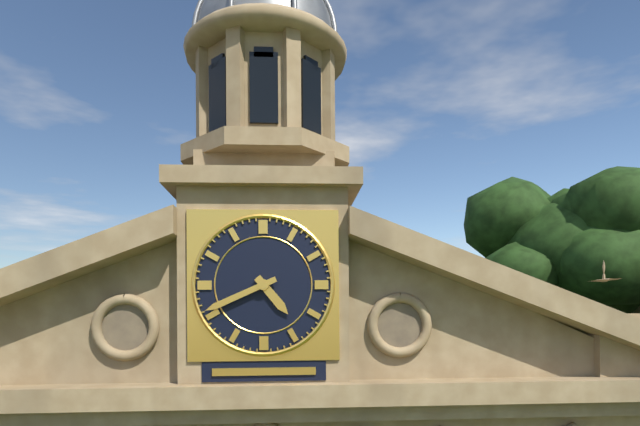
4:41
